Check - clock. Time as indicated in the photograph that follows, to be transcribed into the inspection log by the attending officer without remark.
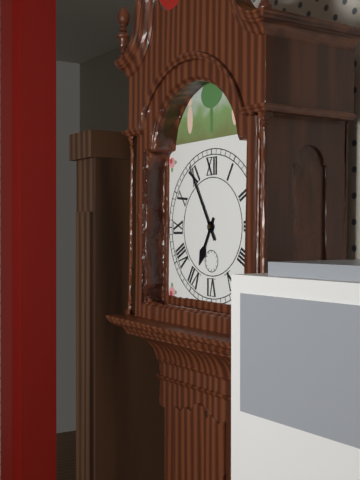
6:55
